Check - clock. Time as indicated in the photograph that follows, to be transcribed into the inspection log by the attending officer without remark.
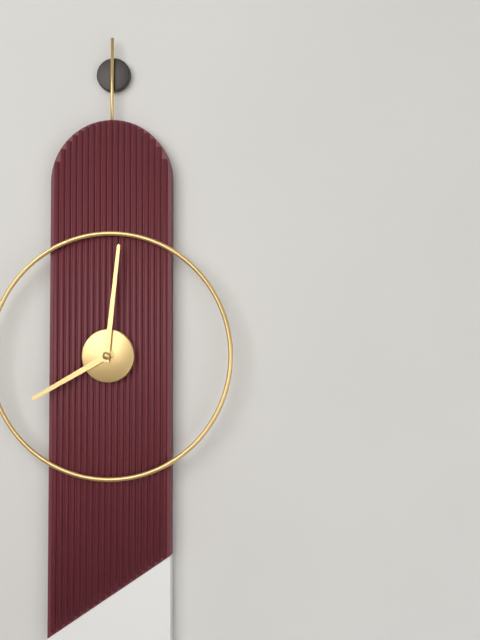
8:01
